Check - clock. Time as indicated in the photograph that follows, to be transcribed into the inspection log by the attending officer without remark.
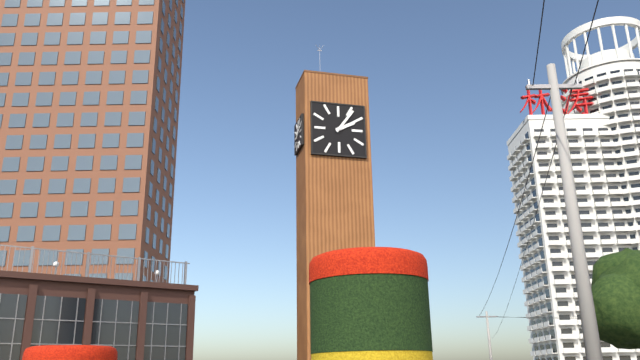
2:06
